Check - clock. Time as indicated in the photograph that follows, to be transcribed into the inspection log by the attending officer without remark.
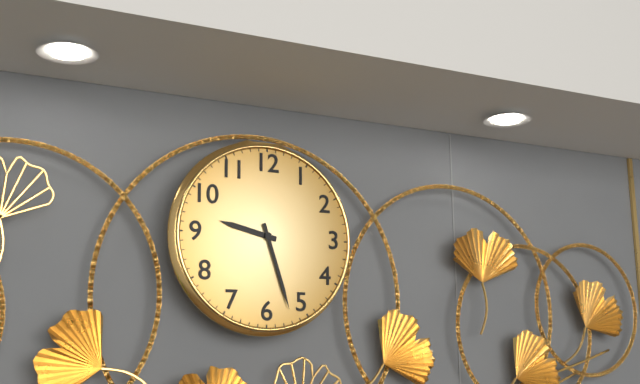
9:27
